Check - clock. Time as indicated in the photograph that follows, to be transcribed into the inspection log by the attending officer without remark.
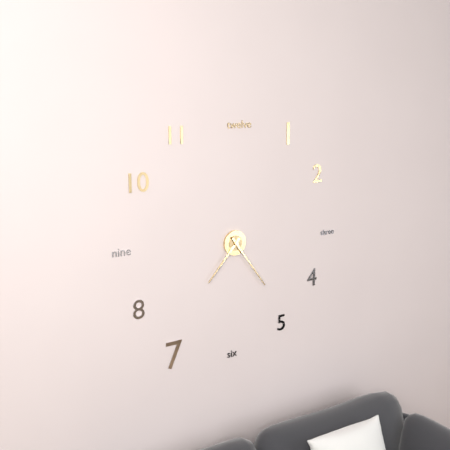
7:24
